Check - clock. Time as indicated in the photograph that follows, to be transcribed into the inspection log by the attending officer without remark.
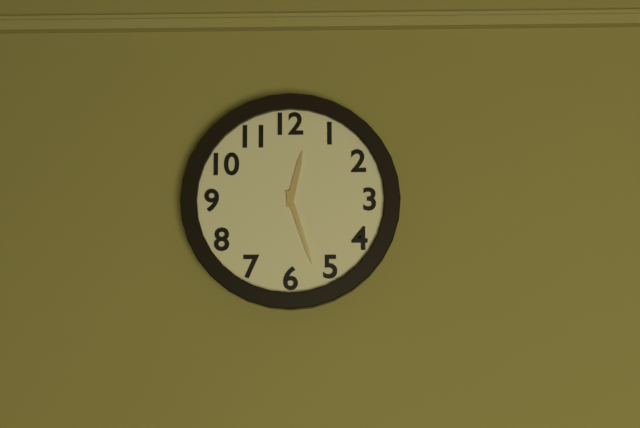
12:27
